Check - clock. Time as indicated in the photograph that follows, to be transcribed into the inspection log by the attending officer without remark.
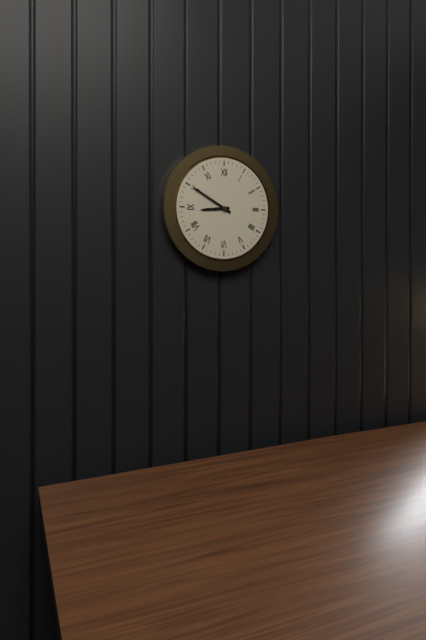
8:50
